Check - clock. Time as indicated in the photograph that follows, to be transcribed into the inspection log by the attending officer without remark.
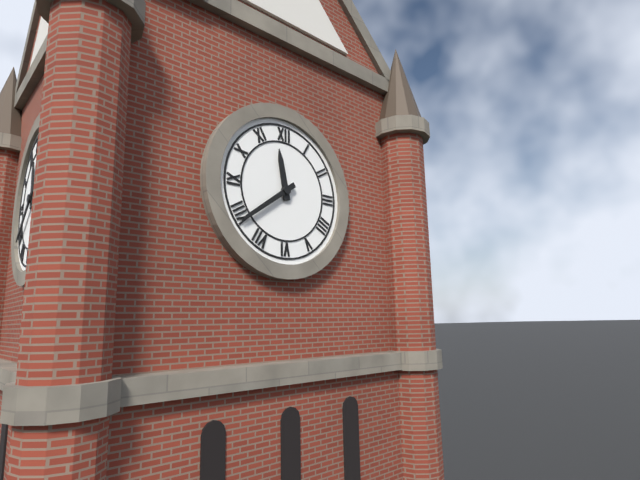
11:39
